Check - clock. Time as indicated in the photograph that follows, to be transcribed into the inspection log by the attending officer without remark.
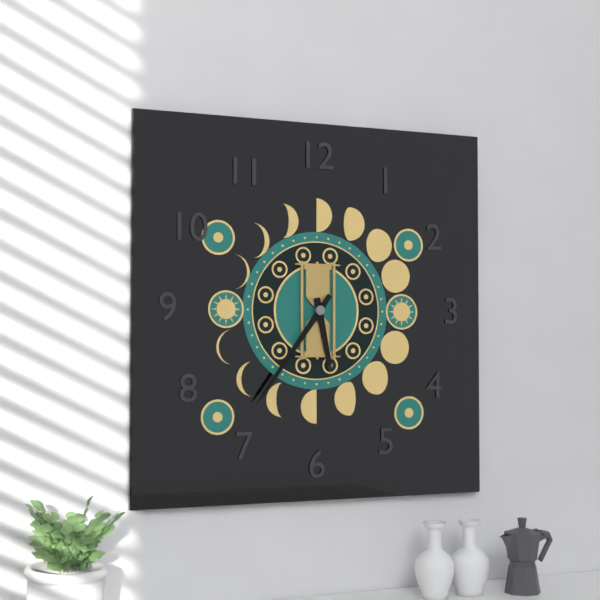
5:36
